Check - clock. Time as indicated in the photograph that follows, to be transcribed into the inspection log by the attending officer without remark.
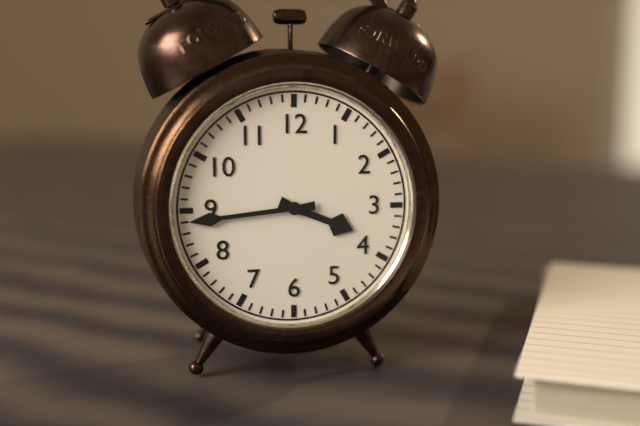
3:44
